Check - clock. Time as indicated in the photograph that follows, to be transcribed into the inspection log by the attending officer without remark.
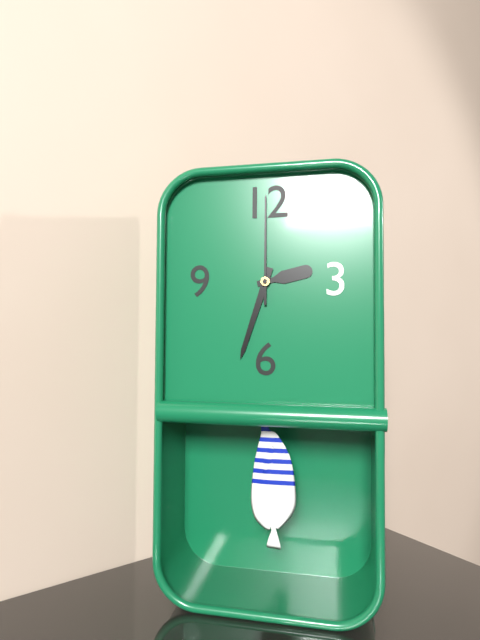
2:33:00
